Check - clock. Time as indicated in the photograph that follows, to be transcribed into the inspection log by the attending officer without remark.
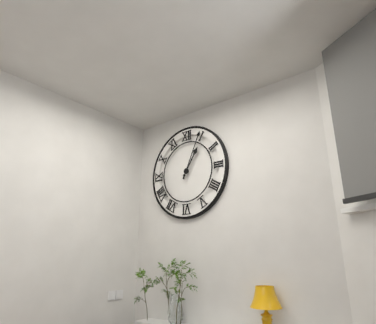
1:04
